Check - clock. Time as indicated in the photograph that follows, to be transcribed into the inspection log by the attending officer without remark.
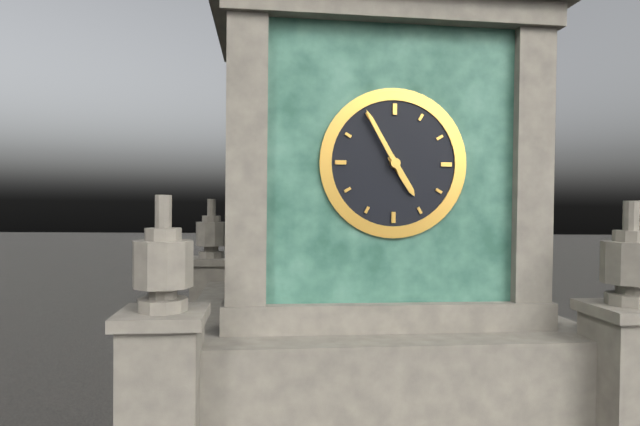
4:55
